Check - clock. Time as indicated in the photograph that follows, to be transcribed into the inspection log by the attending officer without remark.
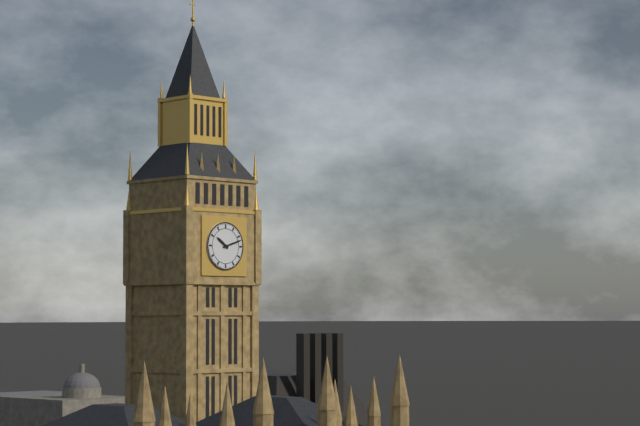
10:12
